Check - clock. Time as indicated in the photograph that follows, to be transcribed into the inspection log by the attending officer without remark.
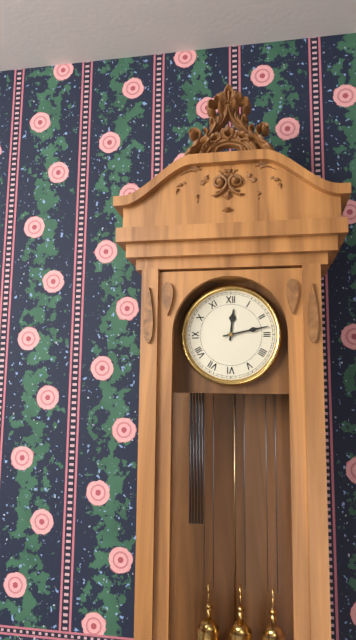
12:13
